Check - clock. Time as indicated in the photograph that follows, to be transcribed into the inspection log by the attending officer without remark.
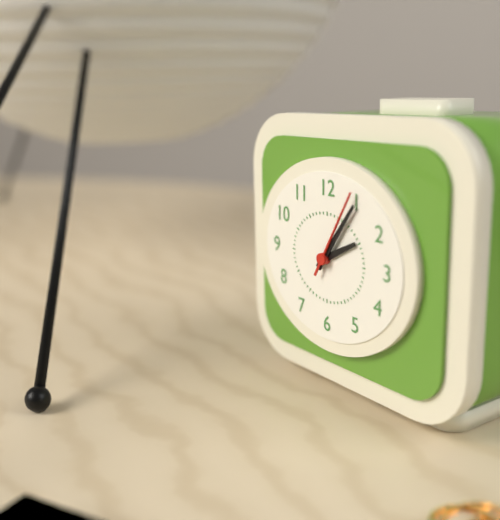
2:06:05
